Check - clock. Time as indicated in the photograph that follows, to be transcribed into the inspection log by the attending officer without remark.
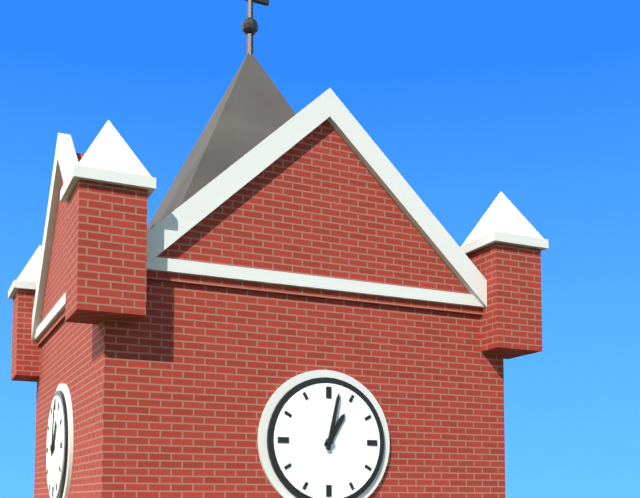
1:02
